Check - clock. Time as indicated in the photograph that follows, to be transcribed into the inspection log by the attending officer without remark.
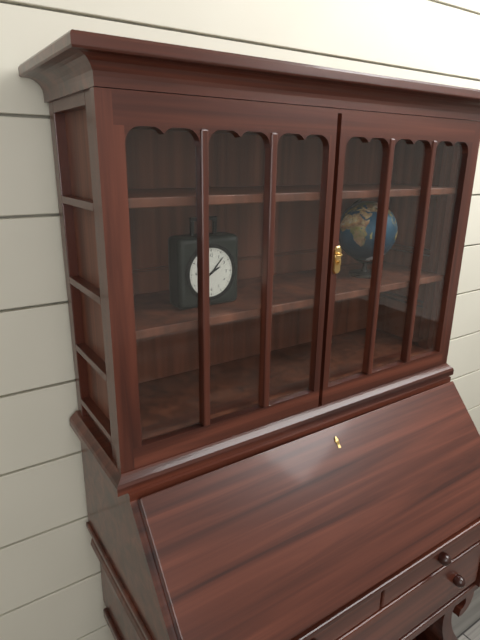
2:07
